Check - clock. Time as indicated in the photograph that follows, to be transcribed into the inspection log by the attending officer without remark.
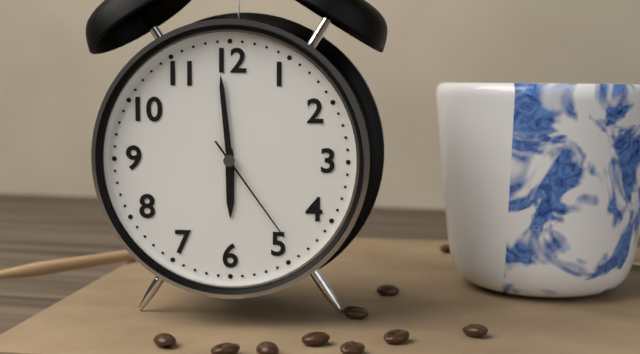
5:59:24
